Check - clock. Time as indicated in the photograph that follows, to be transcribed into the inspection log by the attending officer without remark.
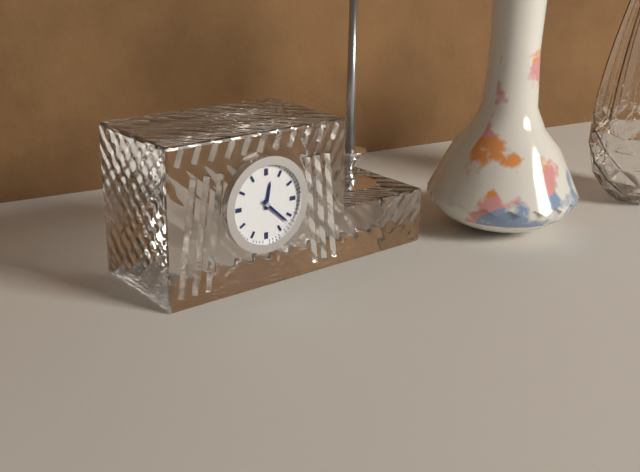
12:22
